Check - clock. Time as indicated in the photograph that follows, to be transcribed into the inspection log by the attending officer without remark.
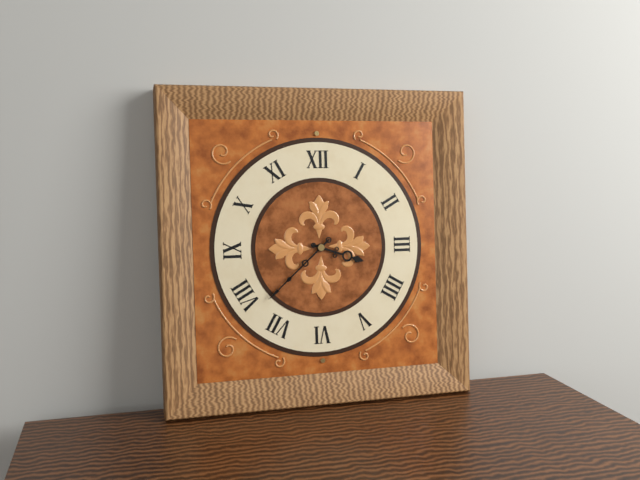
3:38
